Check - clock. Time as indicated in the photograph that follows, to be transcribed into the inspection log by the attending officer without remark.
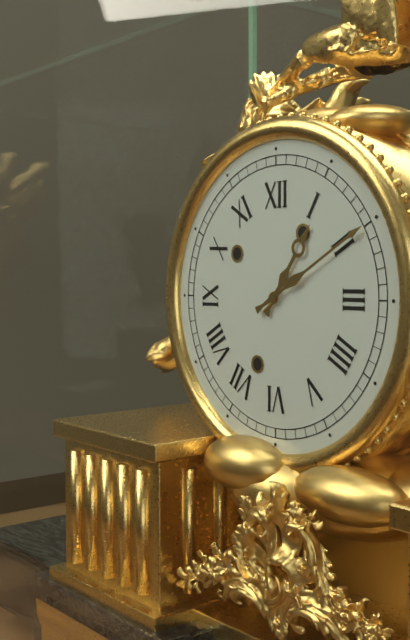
1:10
